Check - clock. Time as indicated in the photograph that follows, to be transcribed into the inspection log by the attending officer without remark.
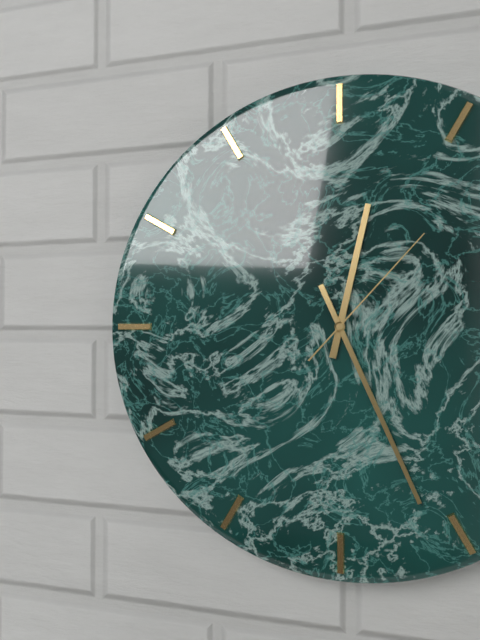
12:26:07
